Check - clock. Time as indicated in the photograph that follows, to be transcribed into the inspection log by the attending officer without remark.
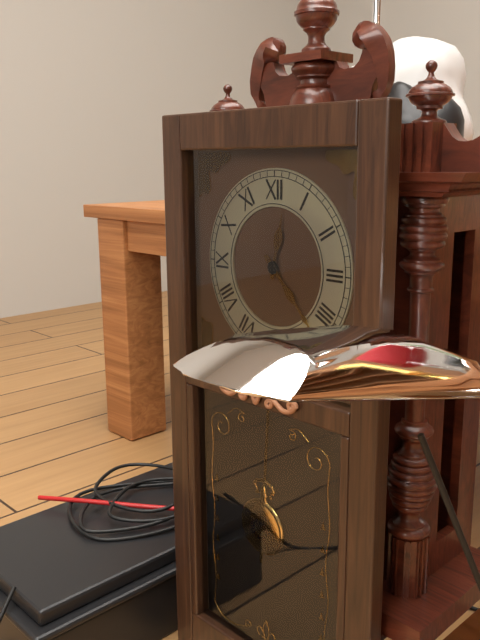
12:23
